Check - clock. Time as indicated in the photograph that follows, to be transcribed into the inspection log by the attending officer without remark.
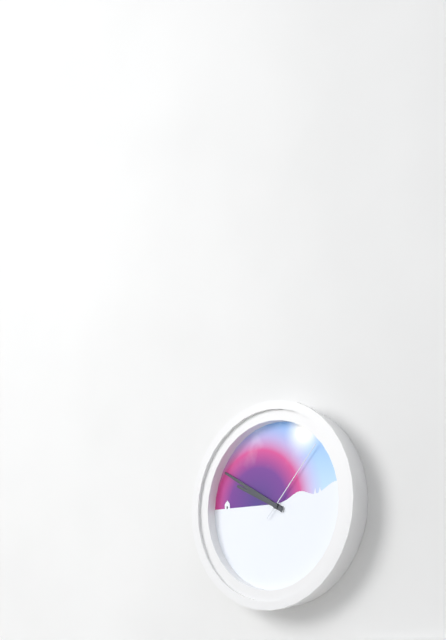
9:50:07
